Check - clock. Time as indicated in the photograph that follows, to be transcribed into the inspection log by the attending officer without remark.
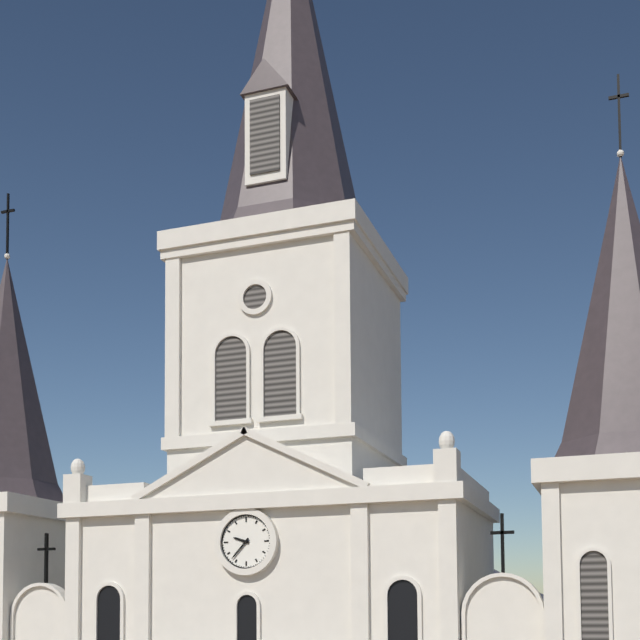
9:37
